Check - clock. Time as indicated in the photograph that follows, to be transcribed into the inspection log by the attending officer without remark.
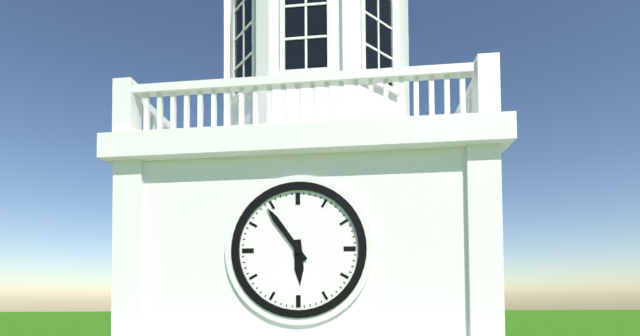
5:54
